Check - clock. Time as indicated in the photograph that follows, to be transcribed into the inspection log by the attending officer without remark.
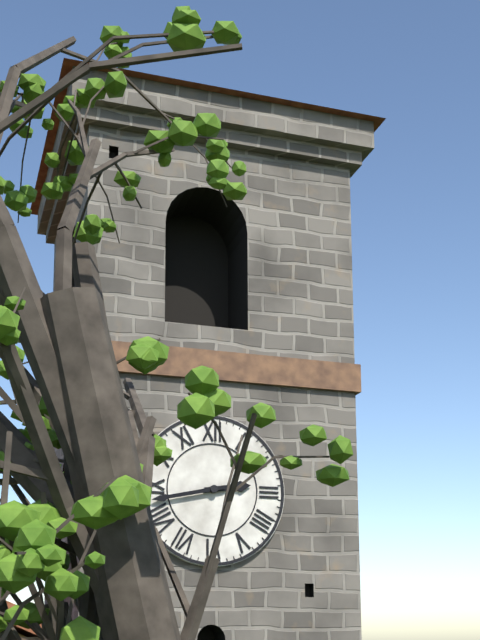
2:43
